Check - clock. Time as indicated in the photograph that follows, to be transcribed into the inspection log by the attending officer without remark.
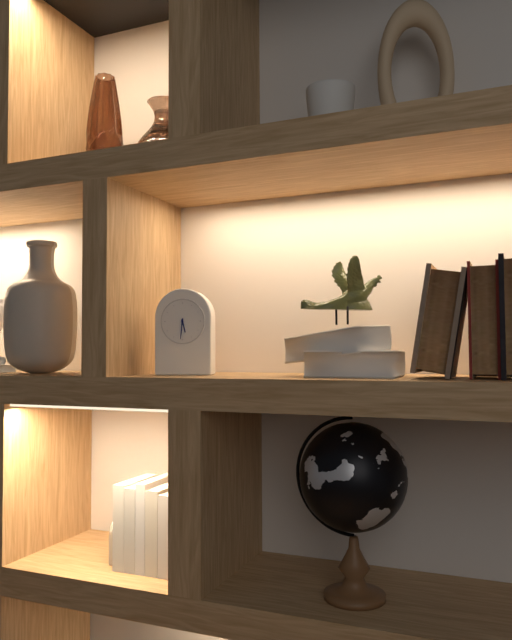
5:31
